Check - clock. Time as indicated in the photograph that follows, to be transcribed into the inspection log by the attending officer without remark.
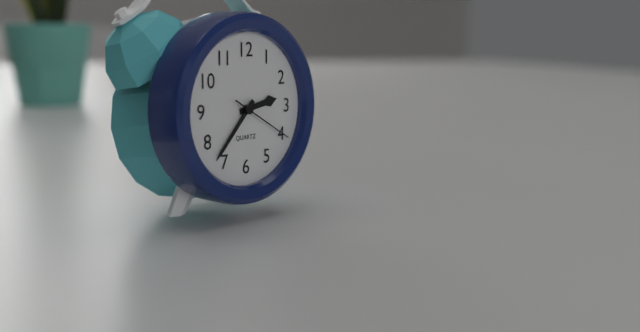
2:37:20
